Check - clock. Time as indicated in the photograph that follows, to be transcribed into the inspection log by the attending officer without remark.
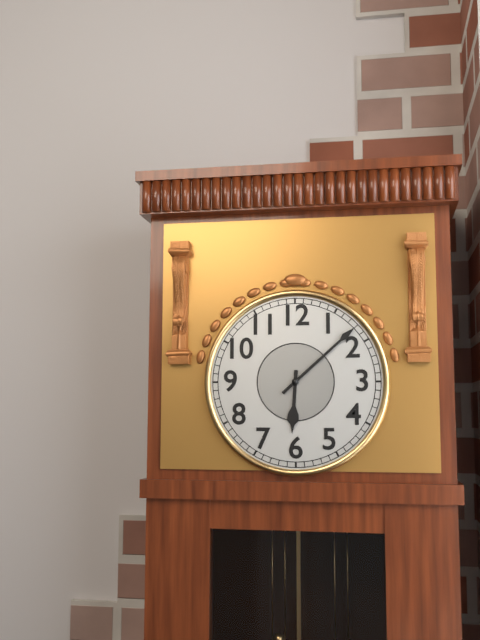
6:08
